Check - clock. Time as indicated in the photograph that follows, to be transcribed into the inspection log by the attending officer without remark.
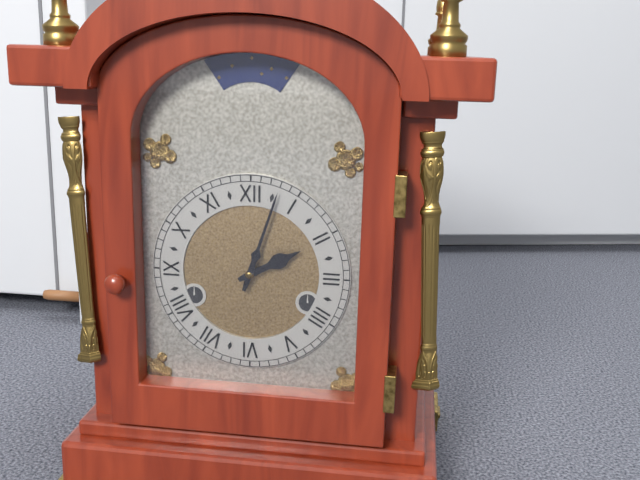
2:03
